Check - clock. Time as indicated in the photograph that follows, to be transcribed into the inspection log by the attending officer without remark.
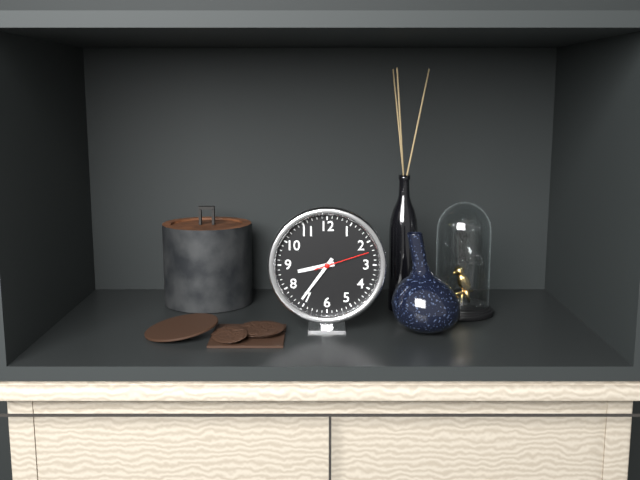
8:36:12
